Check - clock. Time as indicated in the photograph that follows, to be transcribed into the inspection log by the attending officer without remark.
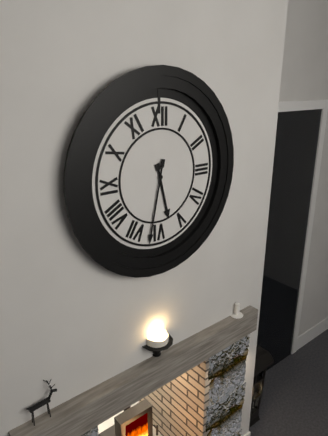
5:32
